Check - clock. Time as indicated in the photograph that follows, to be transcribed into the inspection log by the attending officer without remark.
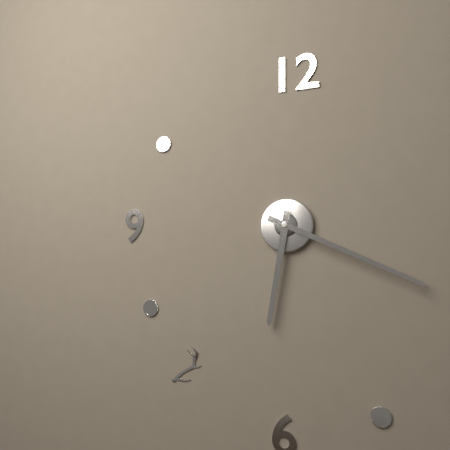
6:19
